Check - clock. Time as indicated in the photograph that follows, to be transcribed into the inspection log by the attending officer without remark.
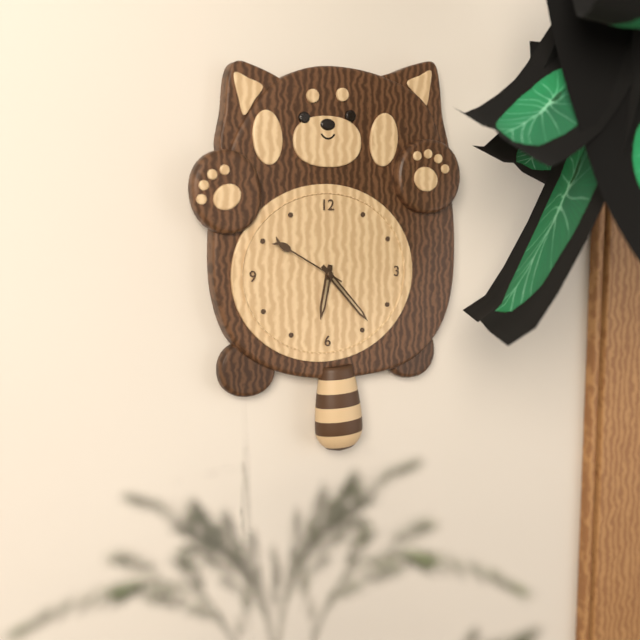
6:23:50
